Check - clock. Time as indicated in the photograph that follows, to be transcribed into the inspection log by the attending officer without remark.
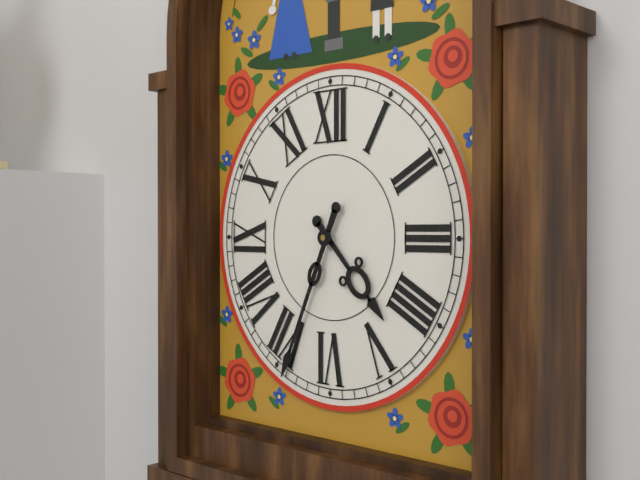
4:34
